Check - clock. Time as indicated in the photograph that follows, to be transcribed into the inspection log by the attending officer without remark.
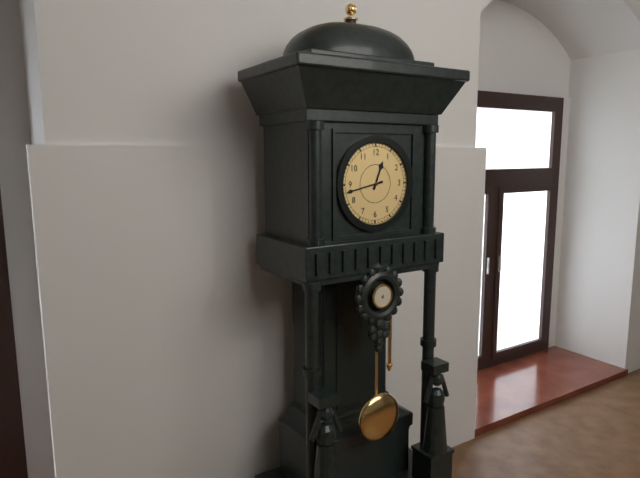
12:43
